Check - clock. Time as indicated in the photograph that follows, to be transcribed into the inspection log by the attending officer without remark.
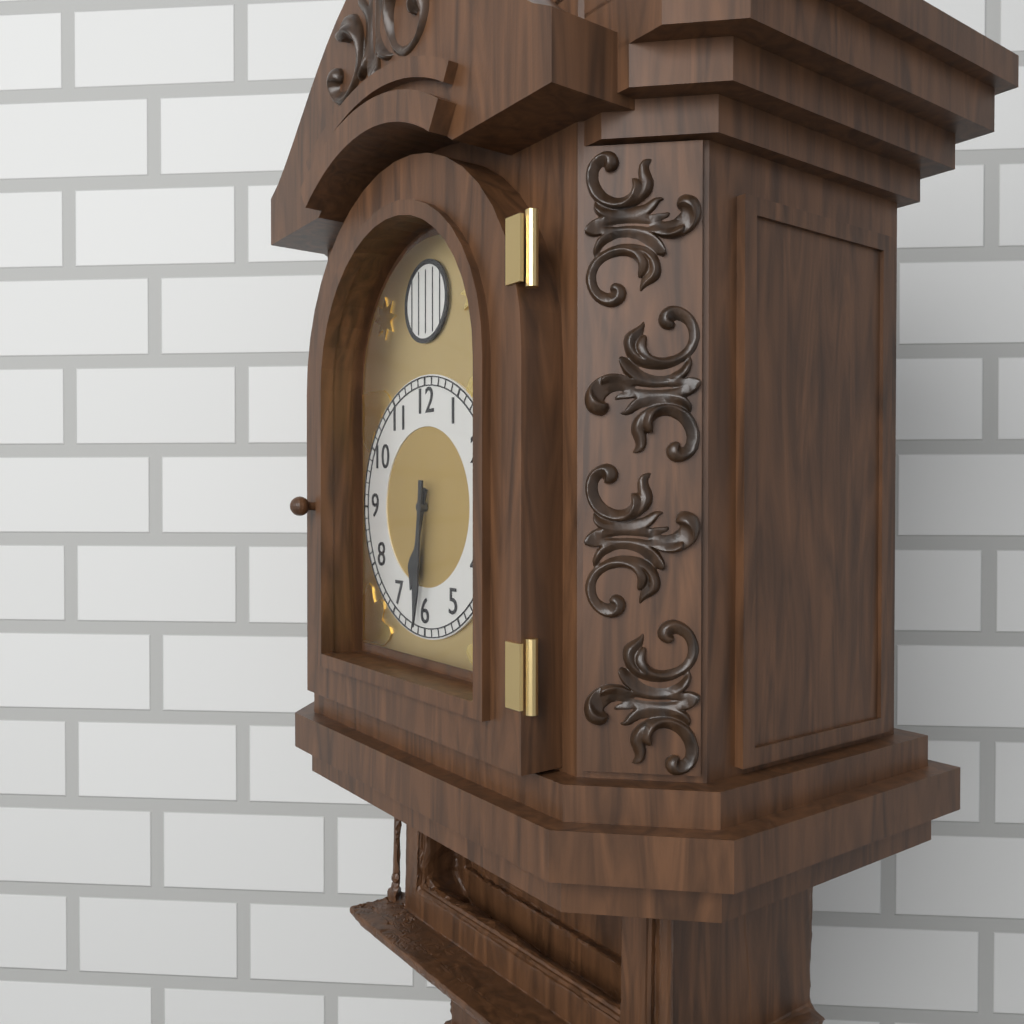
6:31
